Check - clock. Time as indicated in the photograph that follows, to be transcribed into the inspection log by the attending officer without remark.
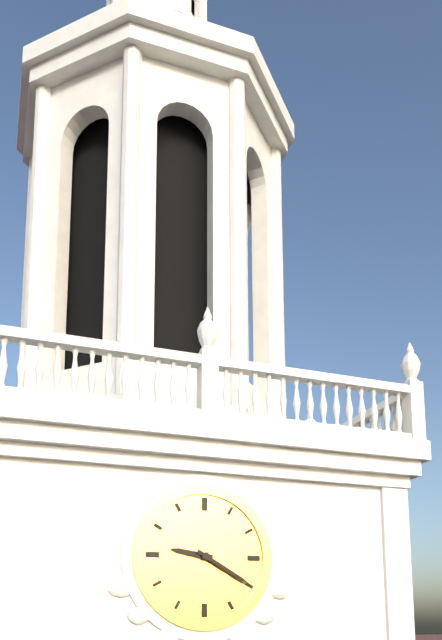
9:20
